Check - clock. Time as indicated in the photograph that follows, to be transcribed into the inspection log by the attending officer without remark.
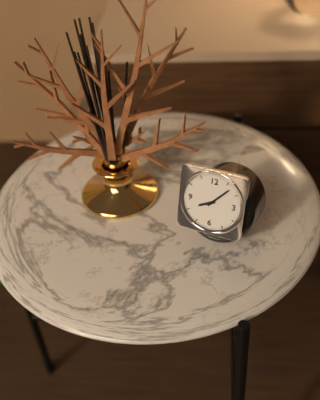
8:07
